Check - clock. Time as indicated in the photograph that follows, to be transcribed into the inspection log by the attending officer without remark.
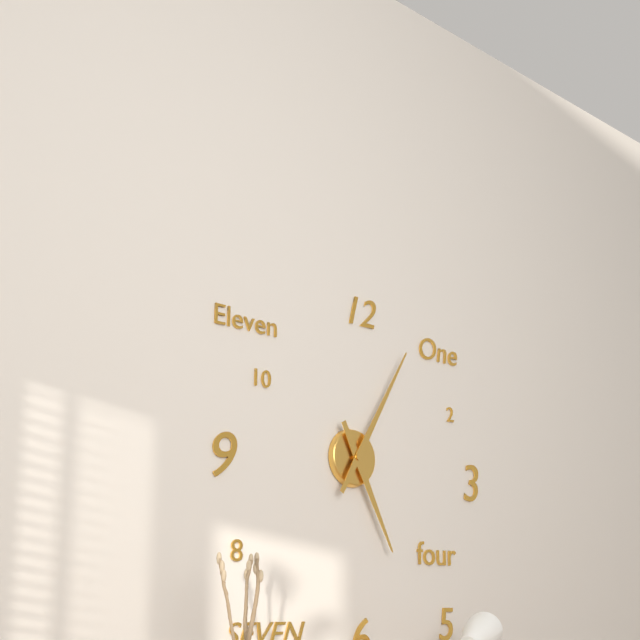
5:05
